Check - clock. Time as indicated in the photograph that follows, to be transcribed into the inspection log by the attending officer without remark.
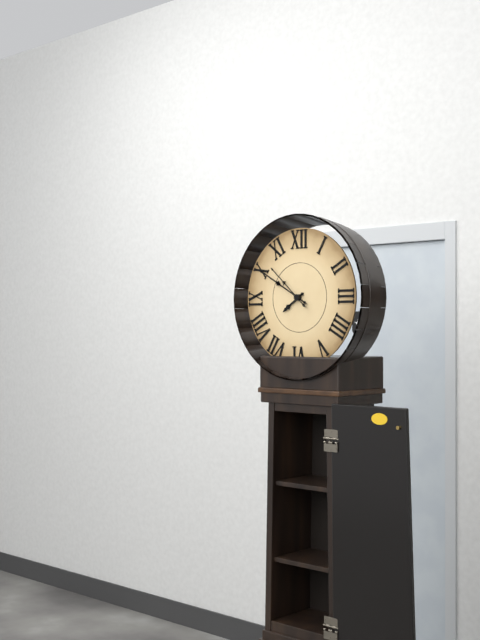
7:50:52
